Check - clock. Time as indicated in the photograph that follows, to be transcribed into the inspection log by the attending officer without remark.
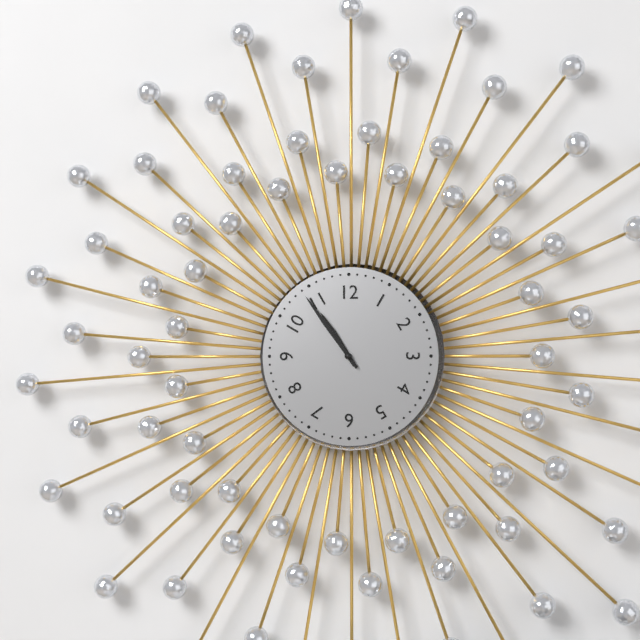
10:54
